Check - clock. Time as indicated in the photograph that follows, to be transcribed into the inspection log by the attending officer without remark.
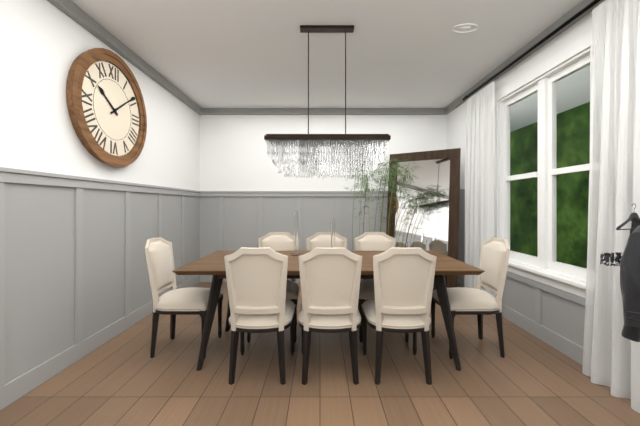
10:09
